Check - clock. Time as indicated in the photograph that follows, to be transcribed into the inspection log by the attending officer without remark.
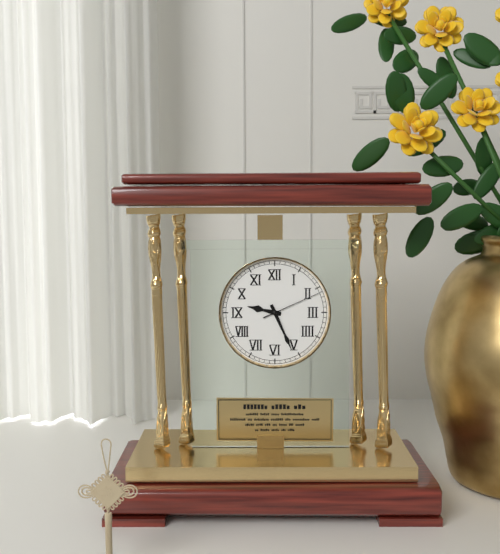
9:26:11
